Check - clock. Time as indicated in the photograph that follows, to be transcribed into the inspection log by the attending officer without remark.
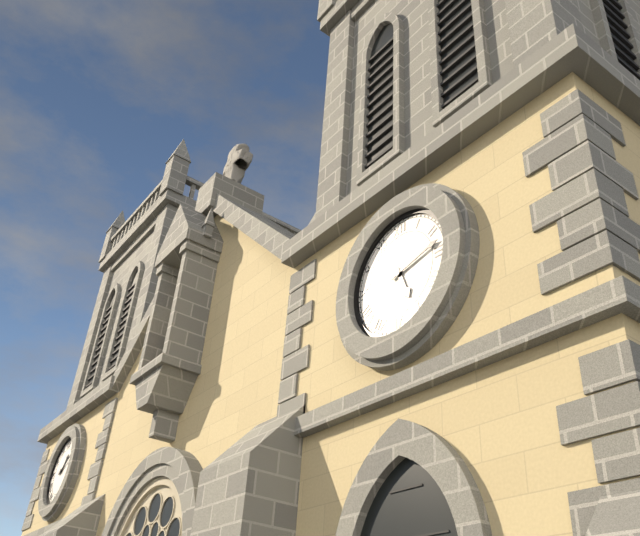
5:13
